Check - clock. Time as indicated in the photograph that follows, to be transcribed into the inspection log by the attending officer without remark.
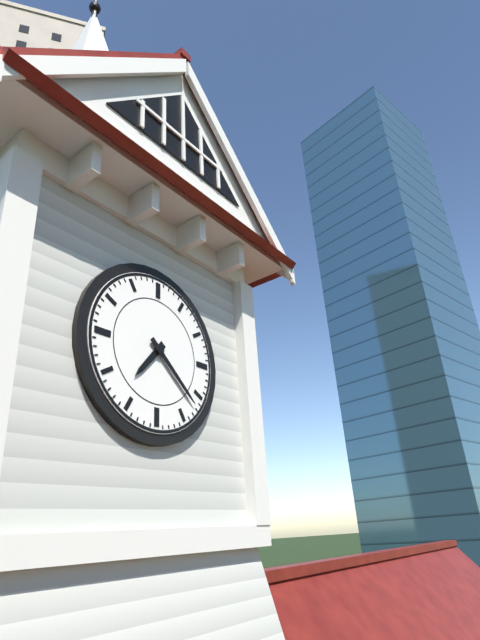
7:22
